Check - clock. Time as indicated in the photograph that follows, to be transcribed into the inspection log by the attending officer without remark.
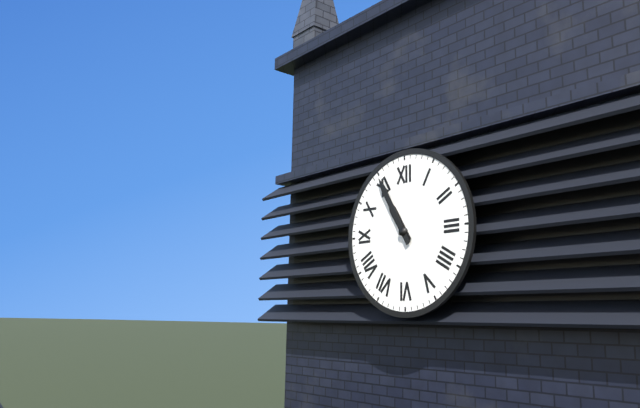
10:55
